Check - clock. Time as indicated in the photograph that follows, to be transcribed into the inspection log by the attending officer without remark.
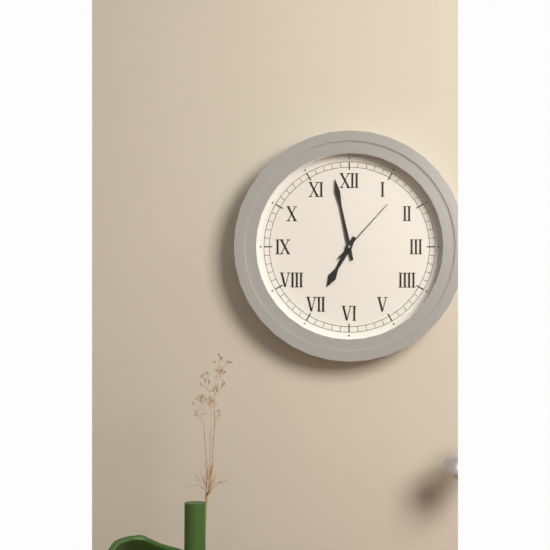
6:58:07
